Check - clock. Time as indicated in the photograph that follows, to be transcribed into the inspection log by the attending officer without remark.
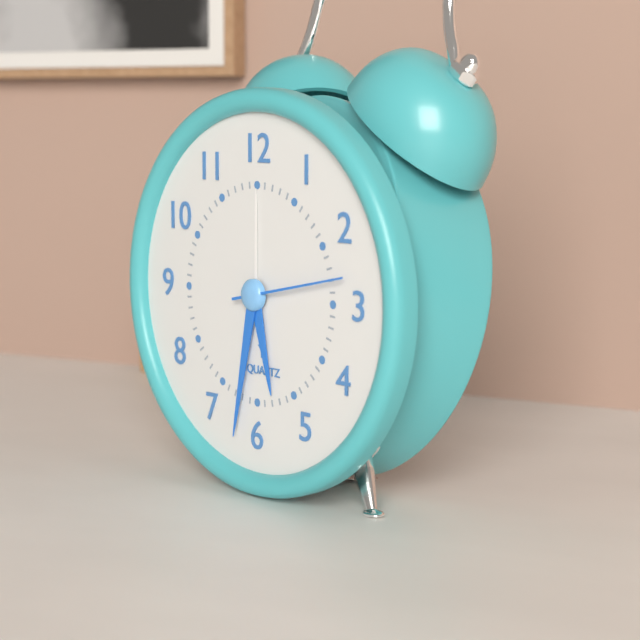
5:32:13
